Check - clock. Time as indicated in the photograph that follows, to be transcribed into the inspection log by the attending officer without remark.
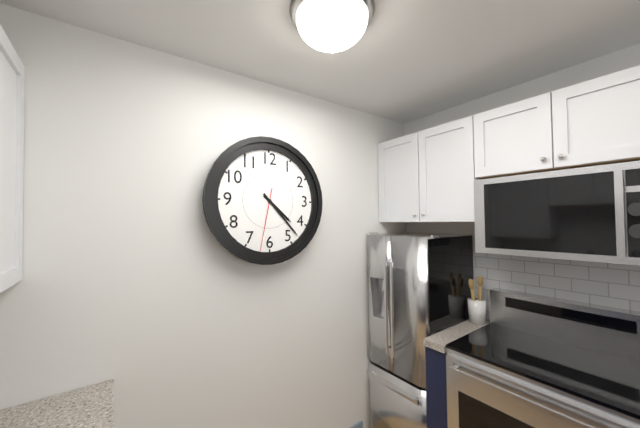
4:23:32
